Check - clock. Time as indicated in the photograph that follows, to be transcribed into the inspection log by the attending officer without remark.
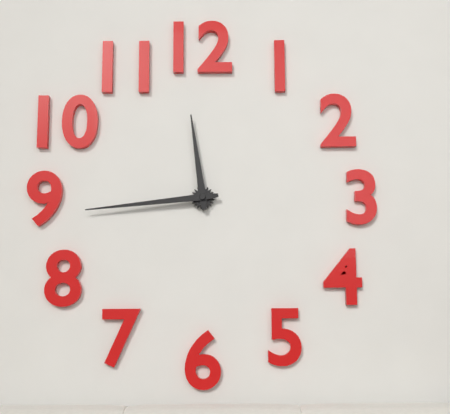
11:44
